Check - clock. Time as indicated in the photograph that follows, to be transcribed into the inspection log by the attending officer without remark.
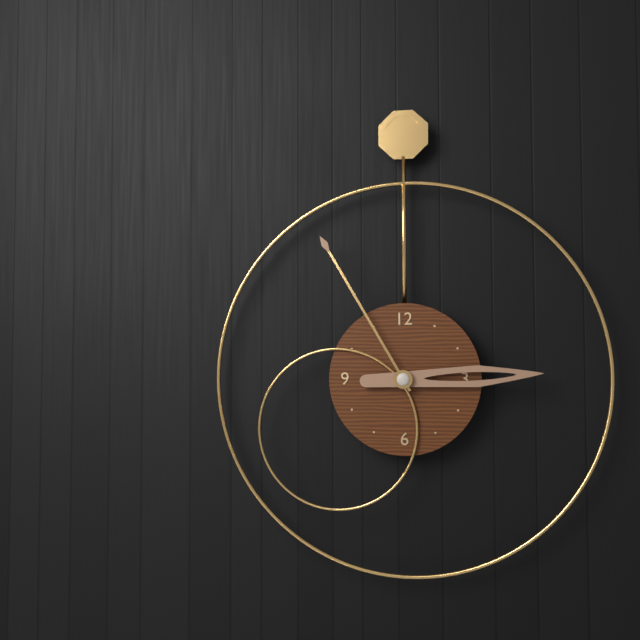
2:55
